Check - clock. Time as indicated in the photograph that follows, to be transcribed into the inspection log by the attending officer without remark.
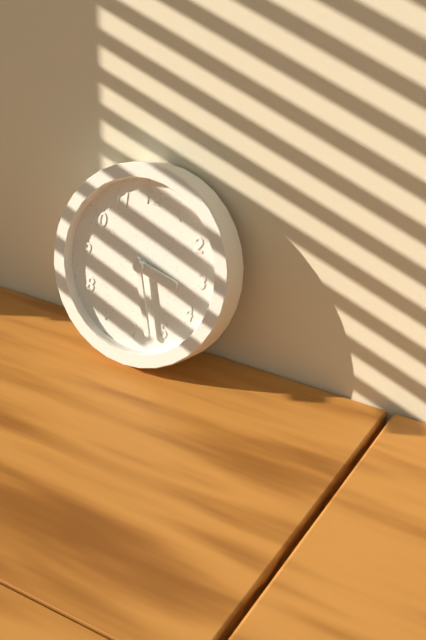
3:27
